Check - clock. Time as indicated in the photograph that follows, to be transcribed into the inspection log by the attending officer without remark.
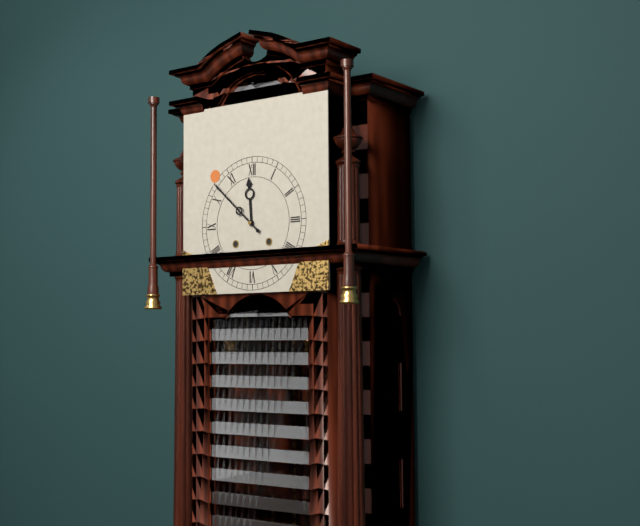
11:52
